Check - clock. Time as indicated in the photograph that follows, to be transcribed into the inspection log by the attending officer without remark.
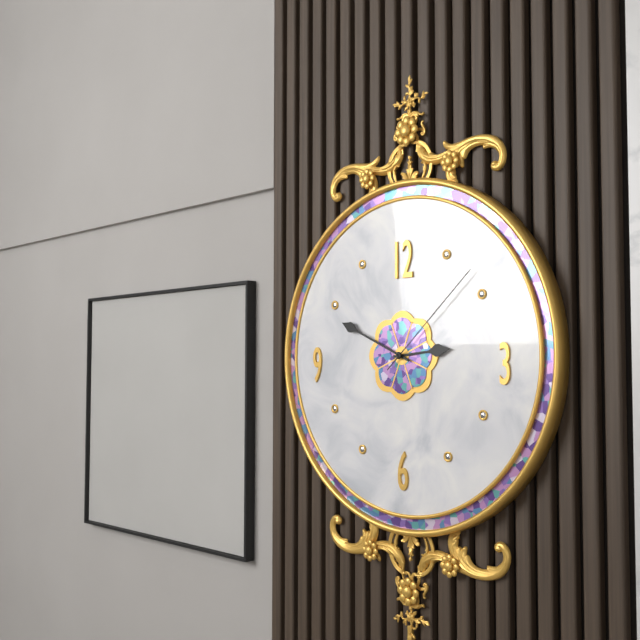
2:49:08
